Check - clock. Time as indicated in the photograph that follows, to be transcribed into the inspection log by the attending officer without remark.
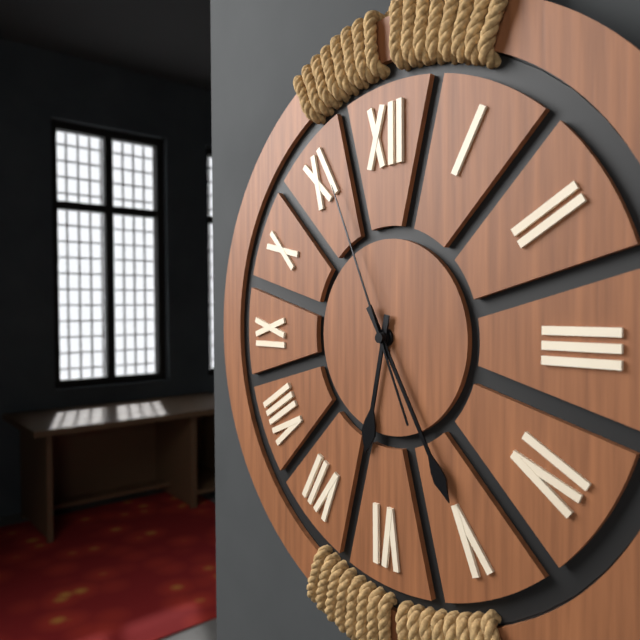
6:25:56
